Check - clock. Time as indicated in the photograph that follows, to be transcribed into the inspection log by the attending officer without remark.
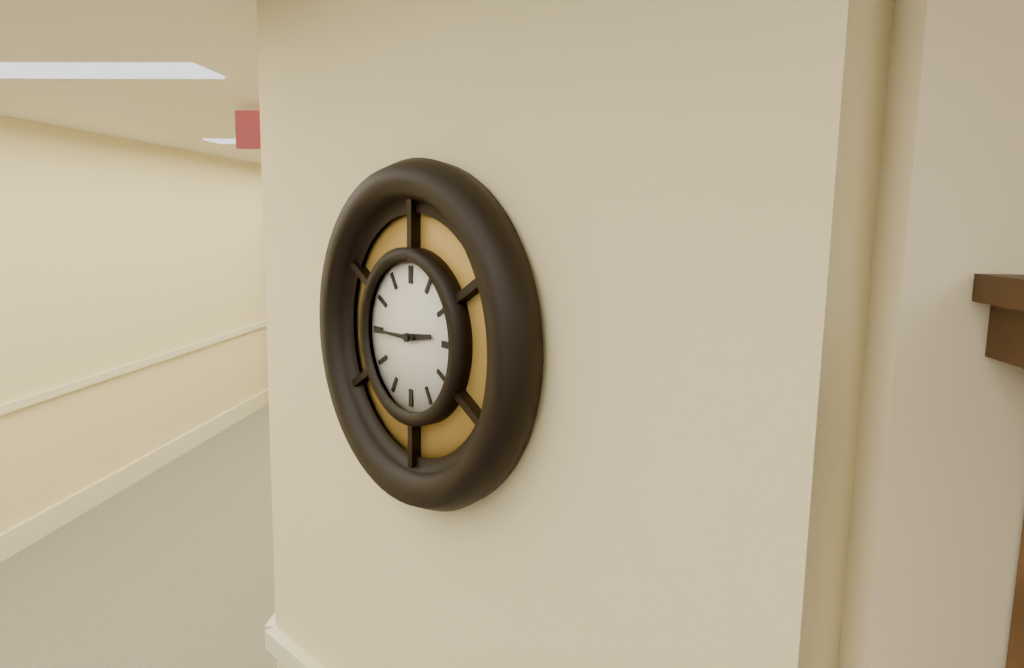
2:45
